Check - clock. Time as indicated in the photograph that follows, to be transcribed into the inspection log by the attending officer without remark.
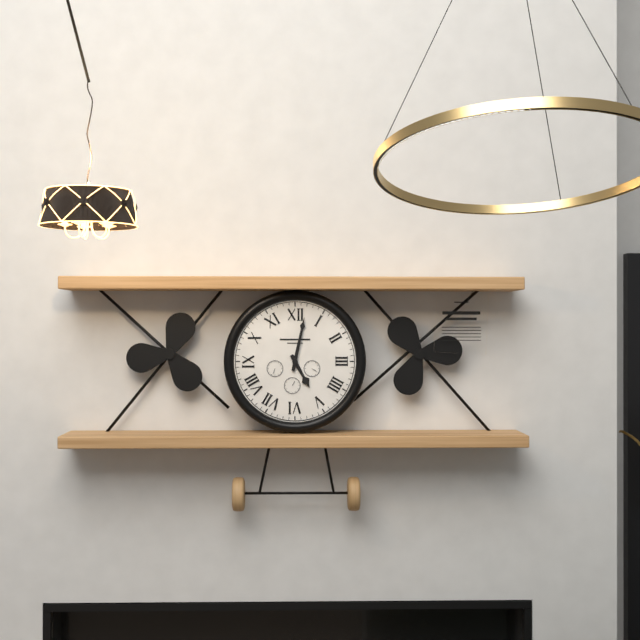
5:02
